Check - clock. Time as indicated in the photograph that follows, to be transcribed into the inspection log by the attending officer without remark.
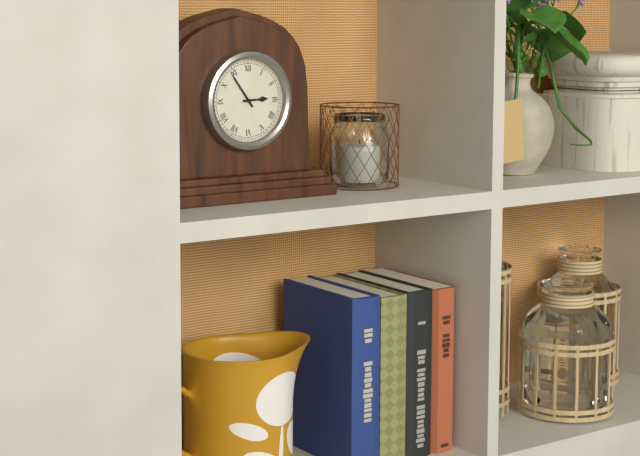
2:54
